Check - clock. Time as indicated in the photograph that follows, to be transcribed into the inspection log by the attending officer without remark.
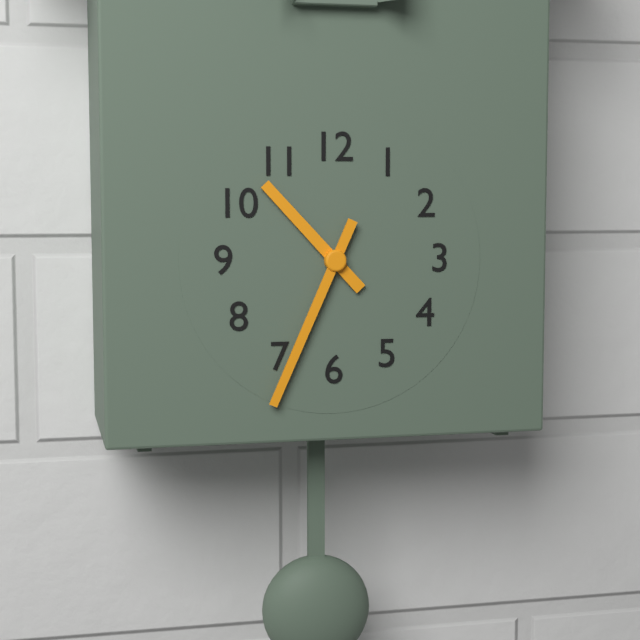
10:34
